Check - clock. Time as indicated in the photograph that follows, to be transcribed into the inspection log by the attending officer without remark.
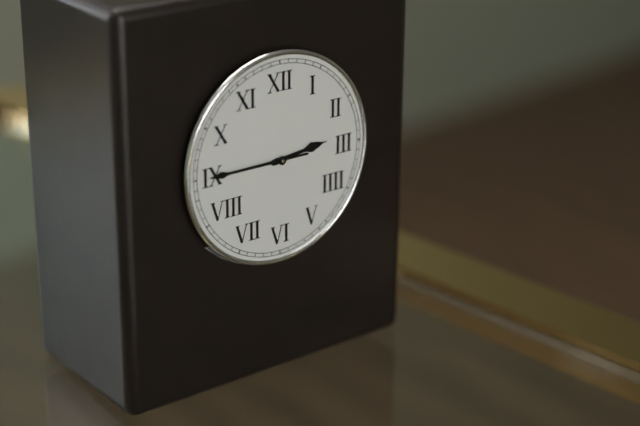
2:45
